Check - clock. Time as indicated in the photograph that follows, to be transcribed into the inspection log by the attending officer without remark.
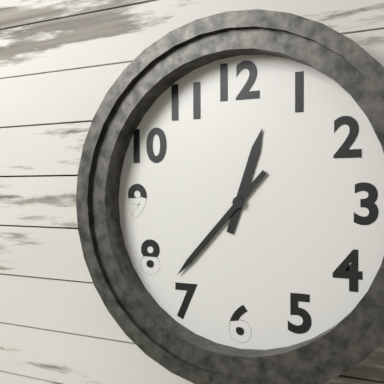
12:37
